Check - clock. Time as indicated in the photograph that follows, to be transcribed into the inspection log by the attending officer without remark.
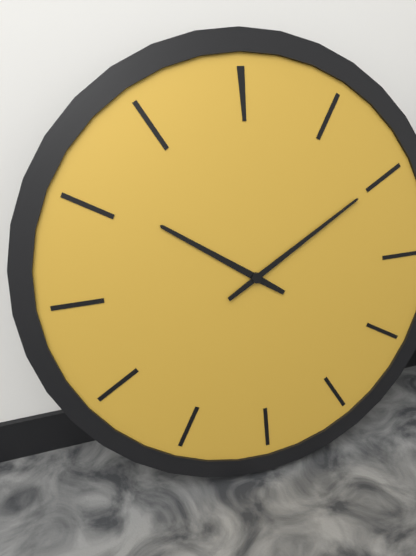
10:10
